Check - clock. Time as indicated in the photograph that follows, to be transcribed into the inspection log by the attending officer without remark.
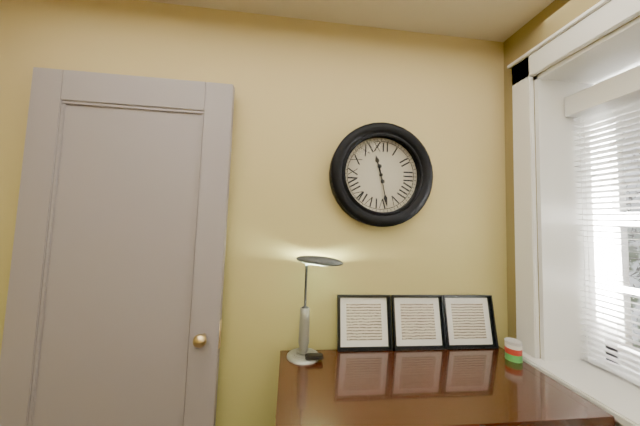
11:28
